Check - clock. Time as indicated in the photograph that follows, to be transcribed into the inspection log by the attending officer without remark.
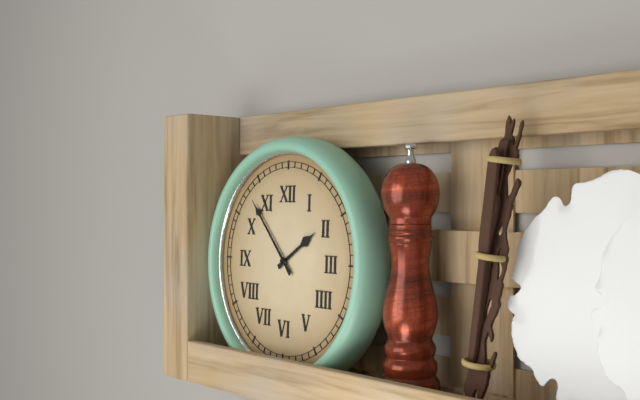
1:53
